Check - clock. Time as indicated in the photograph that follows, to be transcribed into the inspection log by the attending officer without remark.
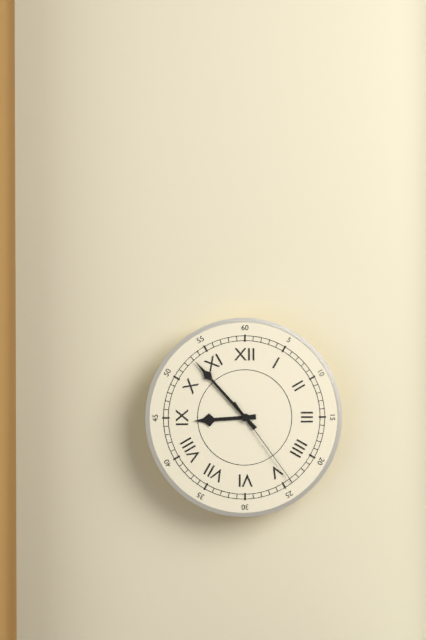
8:53:24
